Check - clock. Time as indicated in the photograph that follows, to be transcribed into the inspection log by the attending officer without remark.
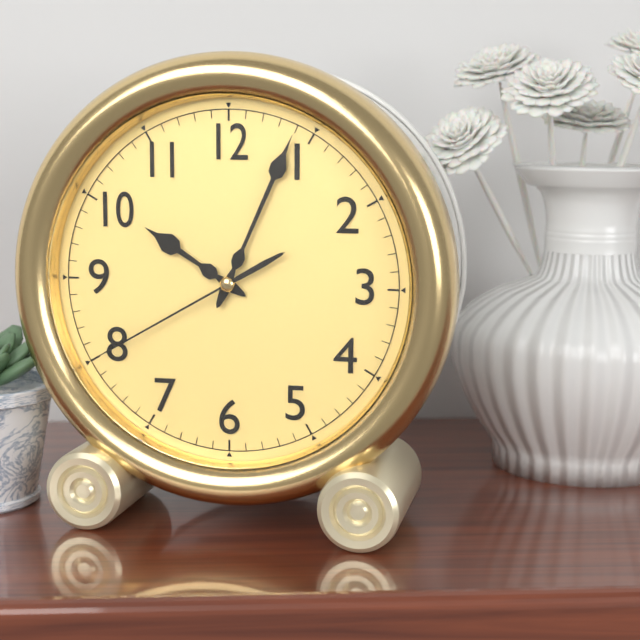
10:04:40
